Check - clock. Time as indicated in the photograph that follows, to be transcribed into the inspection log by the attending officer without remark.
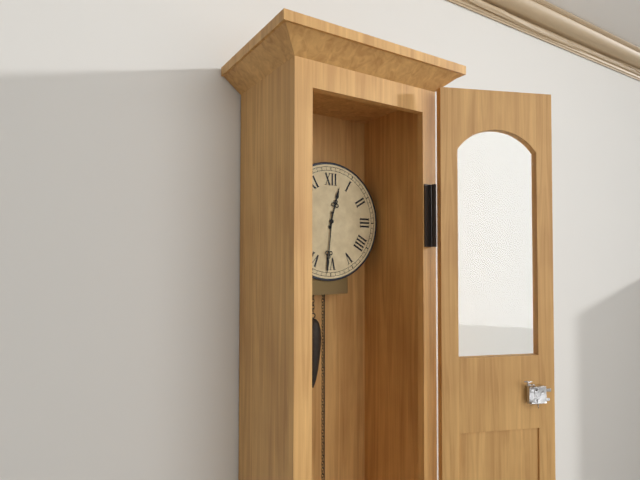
12:31
